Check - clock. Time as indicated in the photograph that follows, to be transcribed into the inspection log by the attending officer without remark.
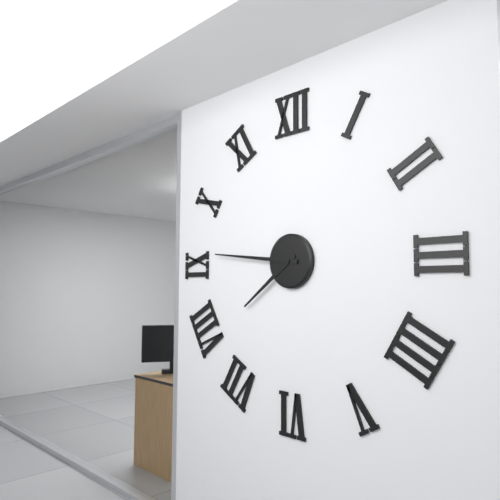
7:46
